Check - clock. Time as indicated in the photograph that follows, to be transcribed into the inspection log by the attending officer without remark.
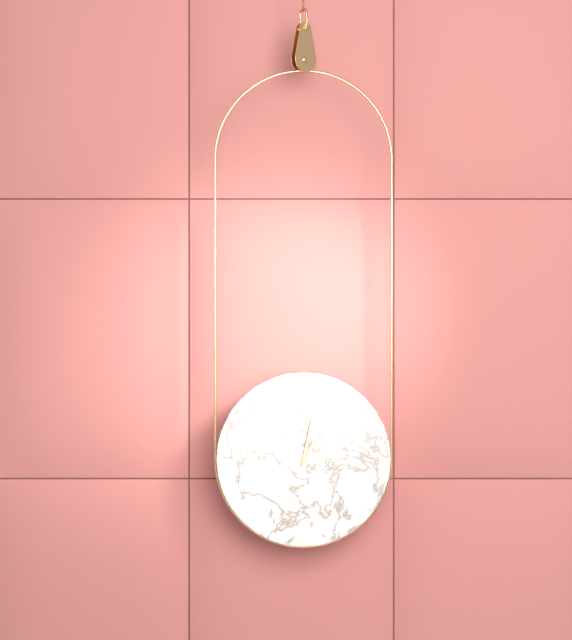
1:02
